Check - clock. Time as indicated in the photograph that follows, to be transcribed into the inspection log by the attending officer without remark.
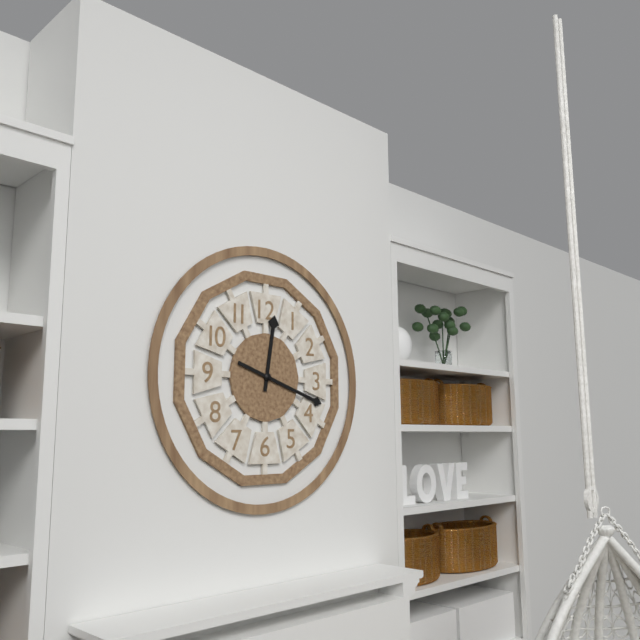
12:18
